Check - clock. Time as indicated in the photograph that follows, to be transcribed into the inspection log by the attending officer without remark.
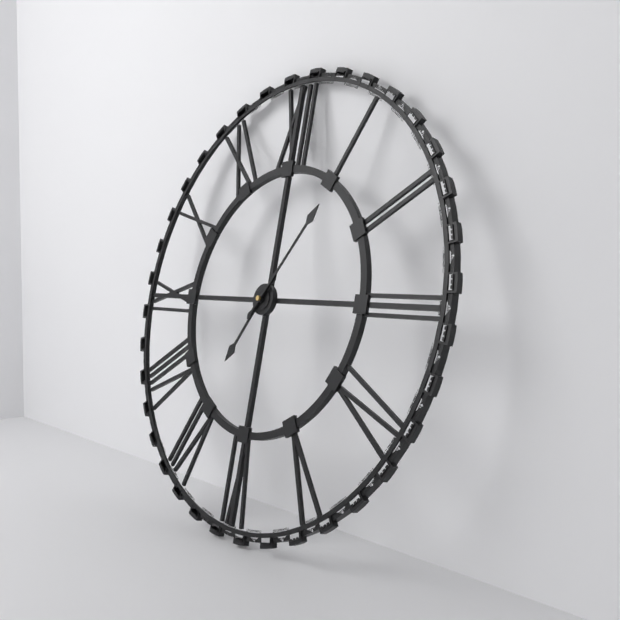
7:06
